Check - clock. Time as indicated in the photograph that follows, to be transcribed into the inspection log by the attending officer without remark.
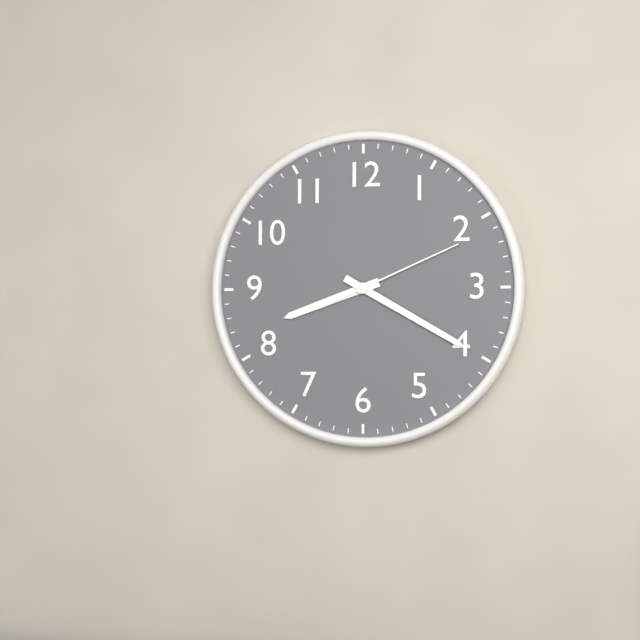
8:20:11
